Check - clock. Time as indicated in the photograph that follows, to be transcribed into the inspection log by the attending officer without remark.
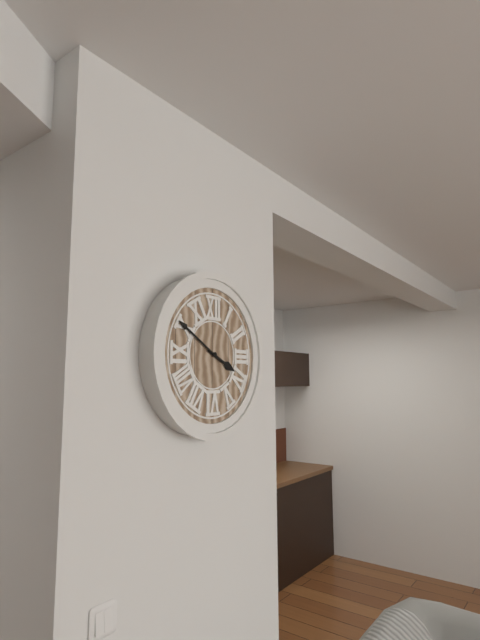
3:50
